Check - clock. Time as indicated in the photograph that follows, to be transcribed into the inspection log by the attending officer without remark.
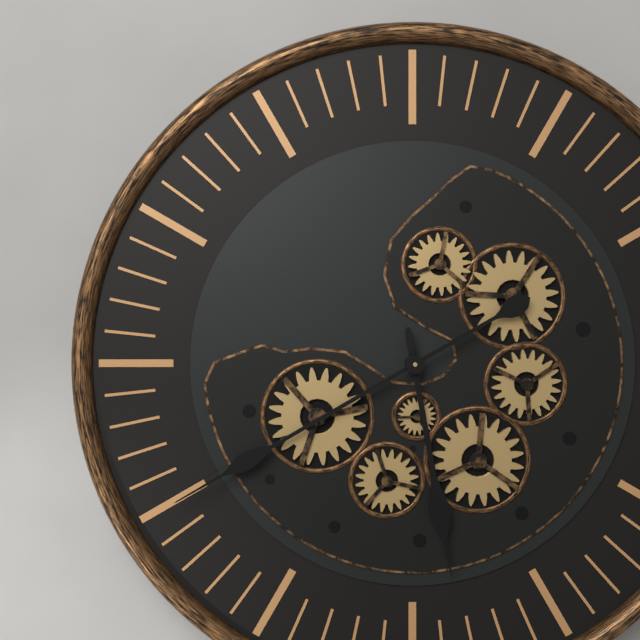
5:40
